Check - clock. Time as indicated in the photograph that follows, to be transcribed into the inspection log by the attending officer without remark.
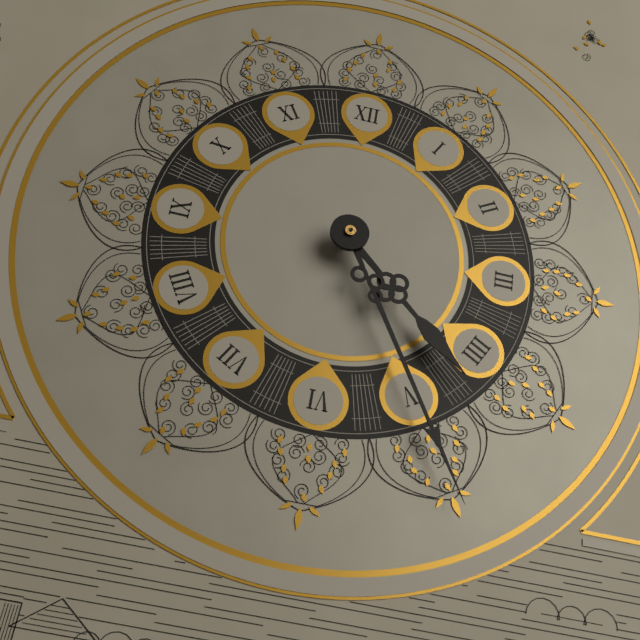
4:25
